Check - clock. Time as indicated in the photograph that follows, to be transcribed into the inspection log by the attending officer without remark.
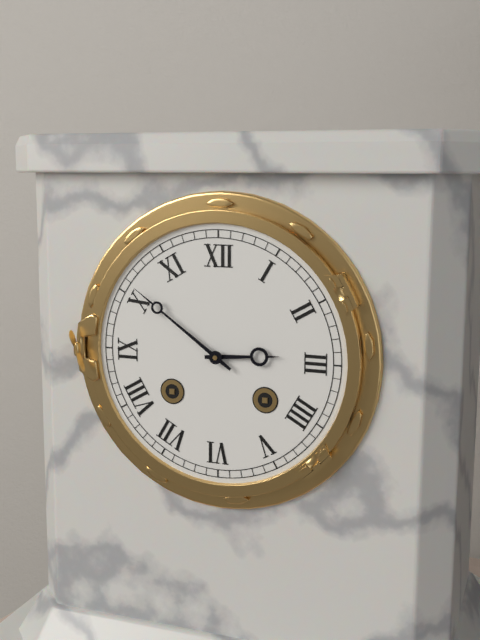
2:51
